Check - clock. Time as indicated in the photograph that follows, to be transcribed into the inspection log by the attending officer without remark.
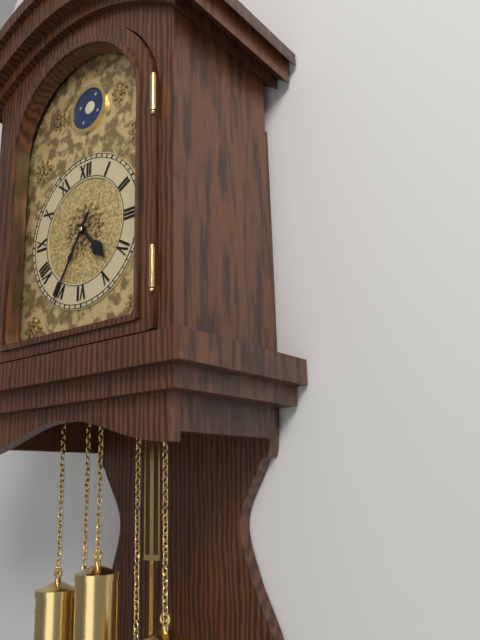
4:35
